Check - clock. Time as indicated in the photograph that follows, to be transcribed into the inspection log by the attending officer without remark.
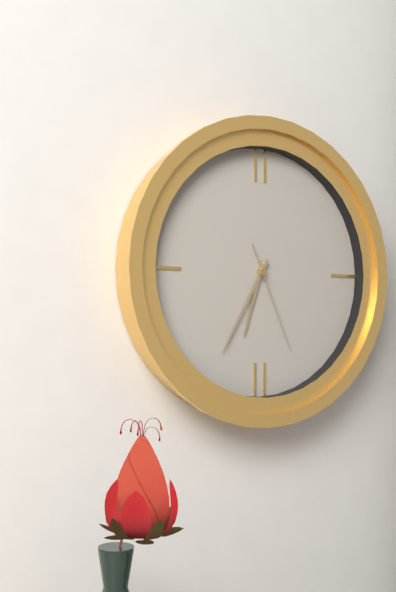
6:35:26
